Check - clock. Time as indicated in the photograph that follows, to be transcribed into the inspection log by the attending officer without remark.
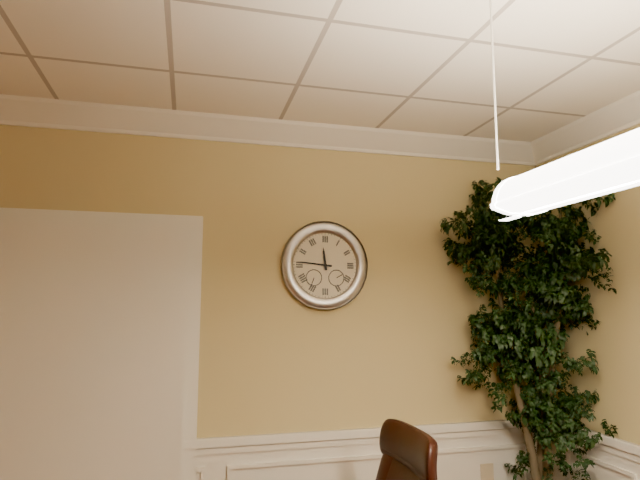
11:46
